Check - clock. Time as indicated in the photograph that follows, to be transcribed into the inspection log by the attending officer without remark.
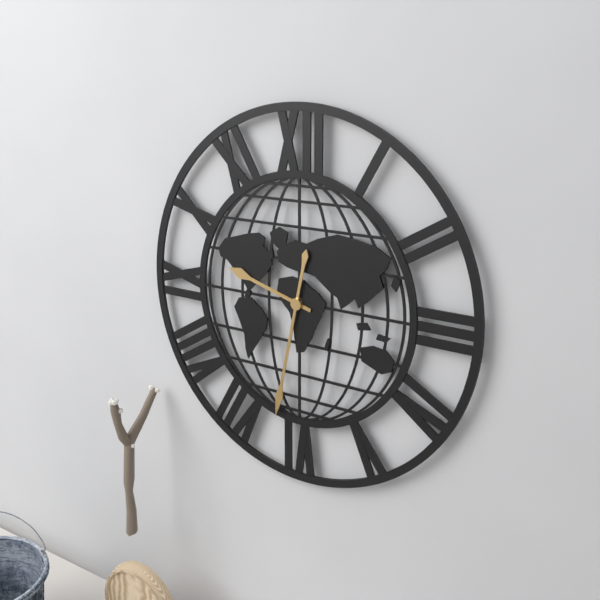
9:32
